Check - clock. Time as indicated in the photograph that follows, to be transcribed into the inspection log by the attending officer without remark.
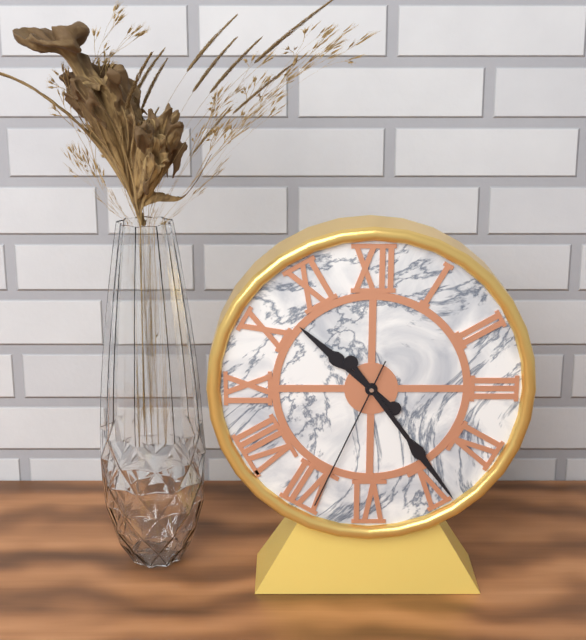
10:24:34
